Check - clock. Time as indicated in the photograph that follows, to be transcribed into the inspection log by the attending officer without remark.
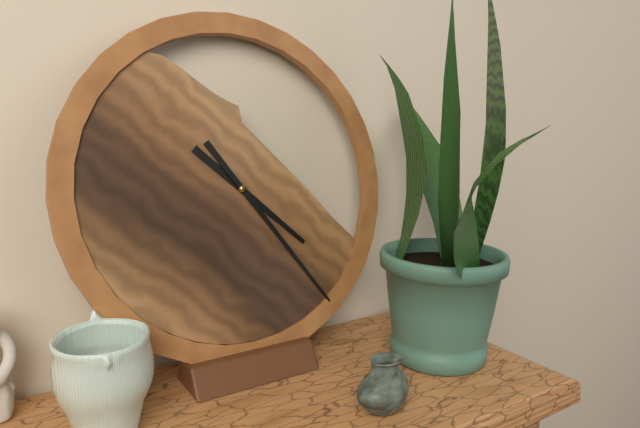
4:24
